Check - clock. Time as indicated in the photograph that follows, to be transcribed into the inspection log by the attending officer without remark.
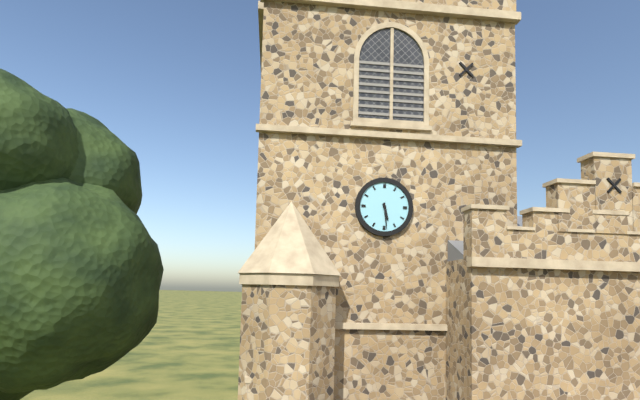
5:29
